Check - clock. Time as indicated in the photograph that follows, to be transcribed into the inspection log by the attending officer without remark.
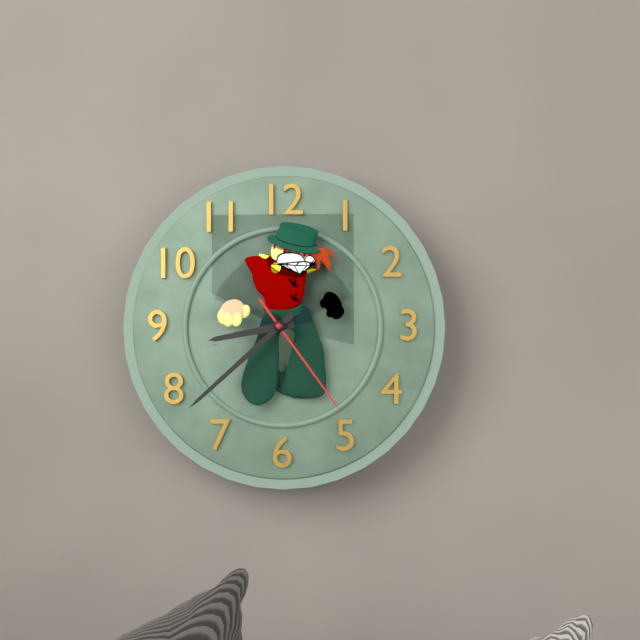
8:38:24
